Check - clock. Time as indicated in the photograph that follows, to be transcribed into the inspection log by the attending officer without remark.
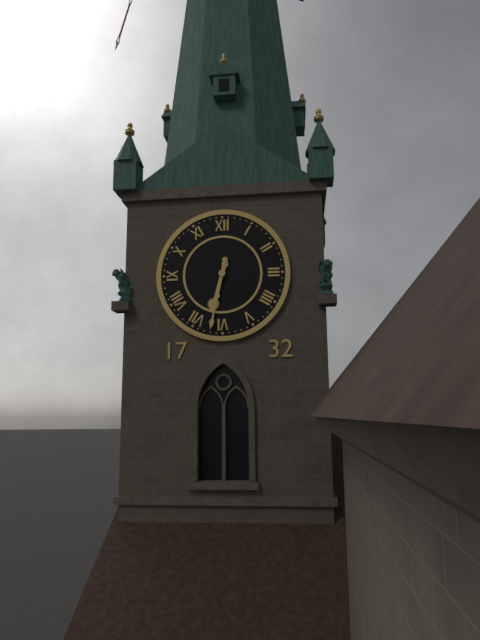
6:32
